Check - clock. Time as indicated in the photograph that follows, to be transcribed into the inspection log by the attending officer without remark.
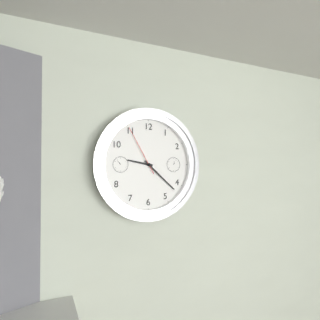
9:22:55
